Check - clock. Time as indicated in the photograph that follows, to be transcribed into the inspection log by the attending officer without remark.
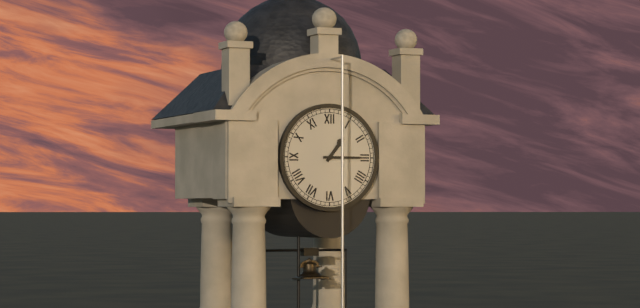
1:15
